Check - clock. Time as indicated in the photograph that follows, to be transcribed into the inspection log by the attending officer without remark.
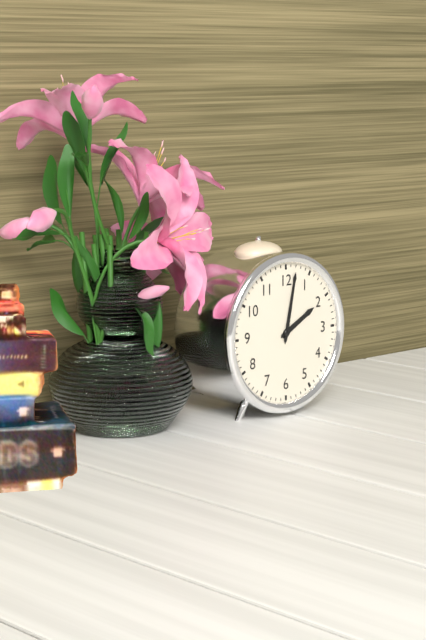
2:02
